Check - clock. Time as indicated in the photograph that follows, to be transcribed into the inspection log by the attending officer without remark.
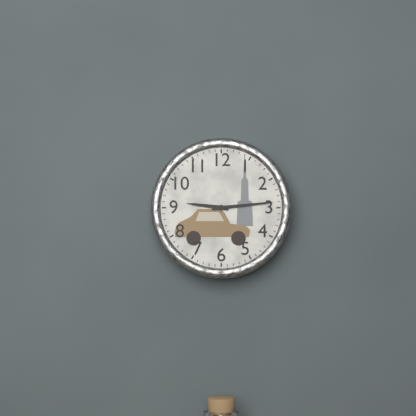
9:14
